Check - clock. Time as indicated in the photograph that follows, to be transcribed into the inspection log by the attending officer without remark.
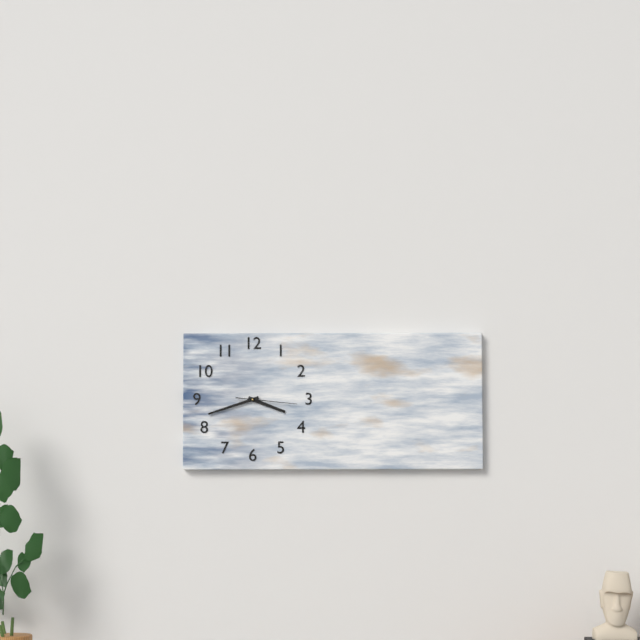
3:42:16
